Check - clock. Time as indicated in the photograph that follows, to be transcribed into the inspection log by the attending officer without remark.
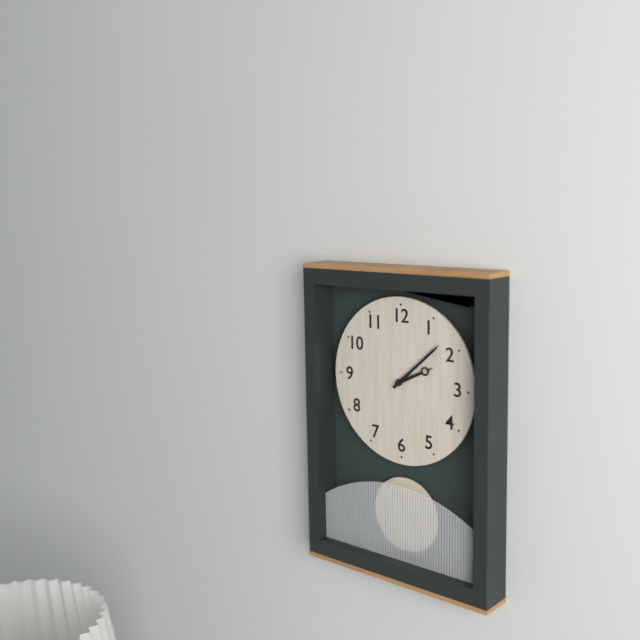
2:08
